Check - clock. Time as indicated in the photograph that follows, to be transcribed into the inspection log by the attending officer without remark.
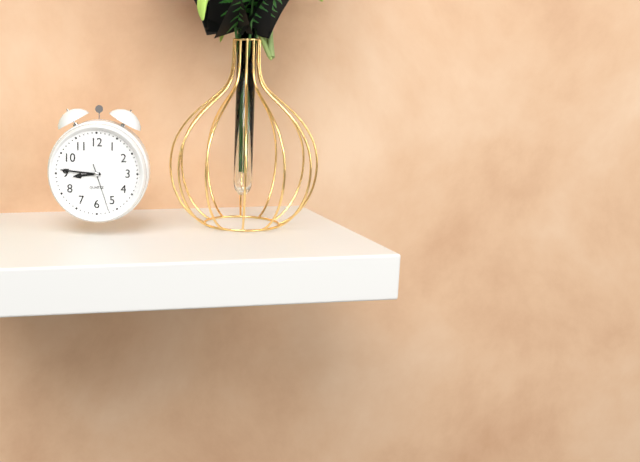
8:46
